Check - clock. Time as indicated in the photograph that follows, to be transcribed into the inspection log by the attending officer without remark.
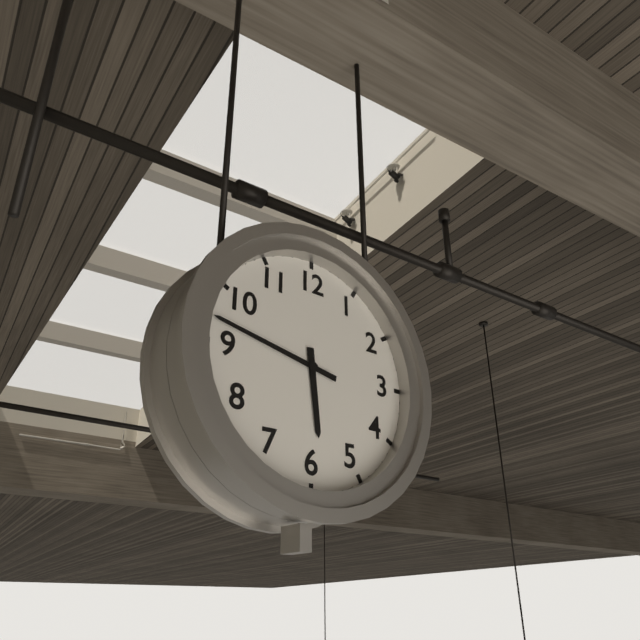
5:47
